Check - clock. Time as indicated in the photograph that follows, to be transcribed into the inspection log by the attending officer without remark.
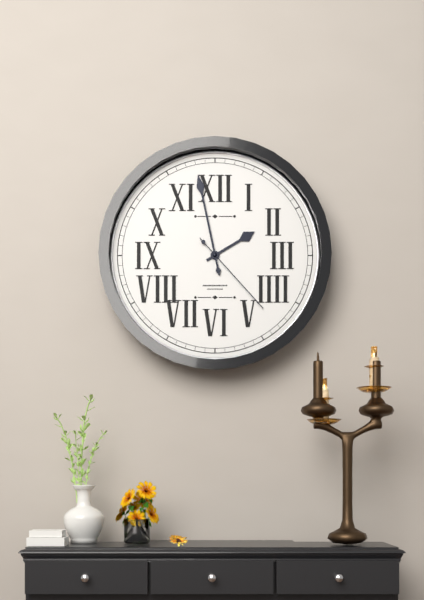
1:58:23
